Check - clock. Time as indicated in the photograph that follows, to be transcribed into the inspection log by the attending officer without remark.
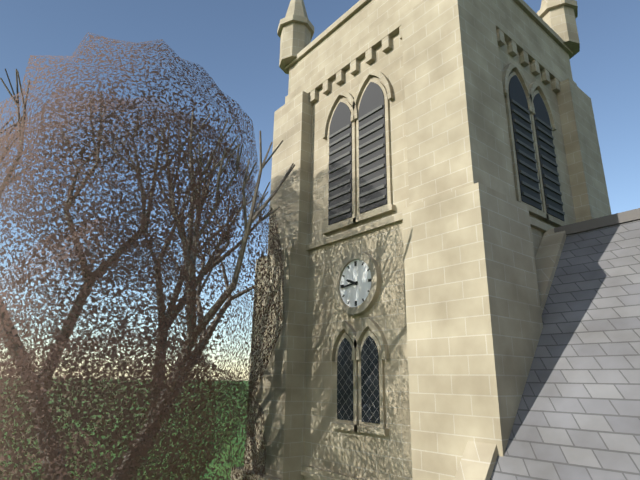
9:44
